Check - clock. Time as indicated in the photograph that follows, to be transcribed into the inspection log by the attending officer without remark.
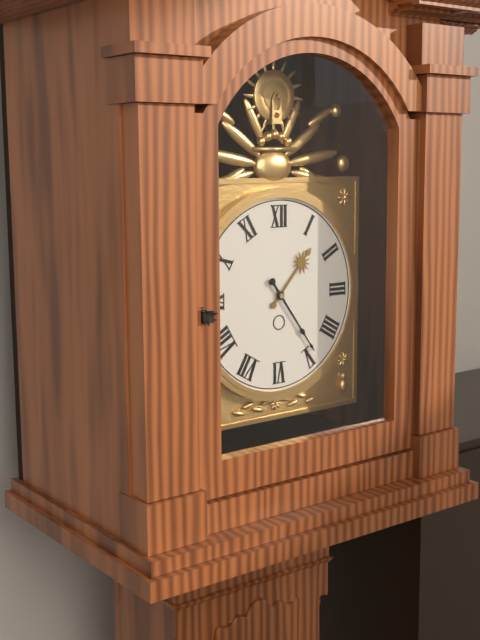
1:24
